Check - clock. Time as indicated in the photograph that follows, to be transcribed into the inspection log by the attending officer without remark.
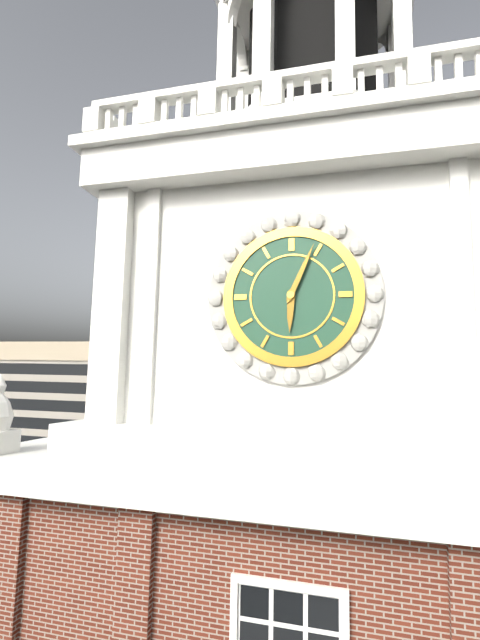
6:04
